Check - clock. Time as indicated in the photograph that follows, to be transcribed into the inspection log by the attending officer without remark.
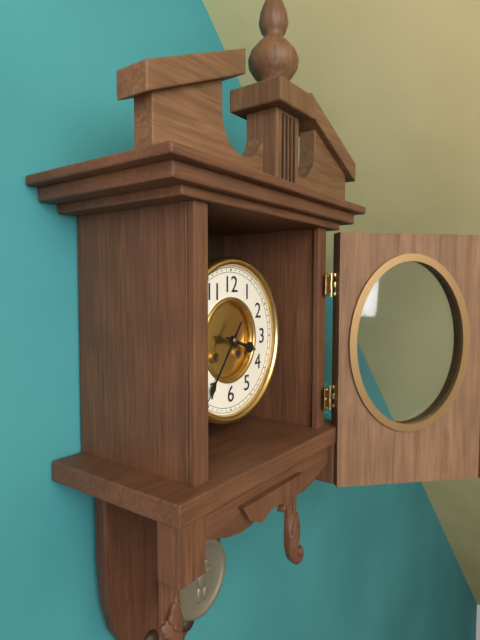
3:36
